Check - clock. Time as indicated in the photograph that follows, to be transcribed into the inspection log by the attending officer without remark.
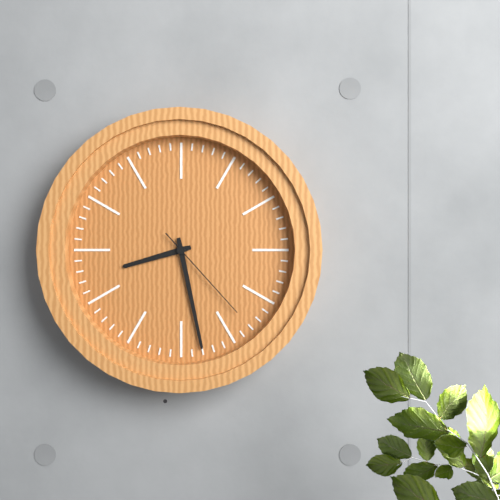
8:28:23
